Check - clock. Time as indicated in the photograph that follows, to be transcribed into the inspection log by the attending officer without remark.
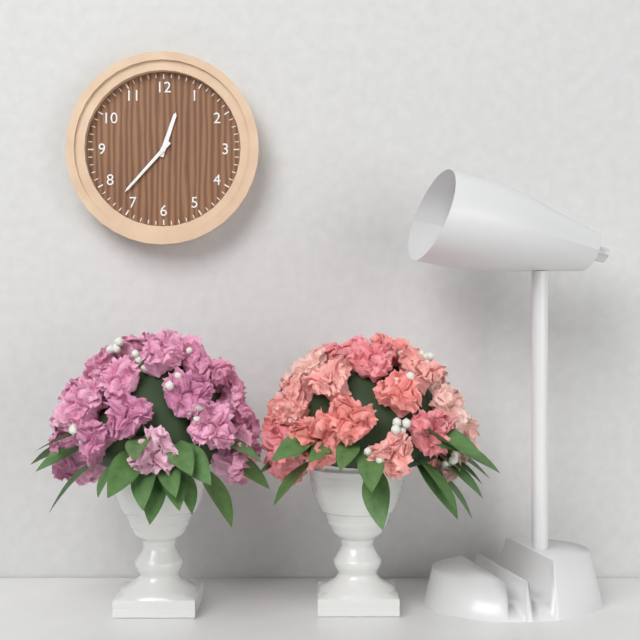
12:37
